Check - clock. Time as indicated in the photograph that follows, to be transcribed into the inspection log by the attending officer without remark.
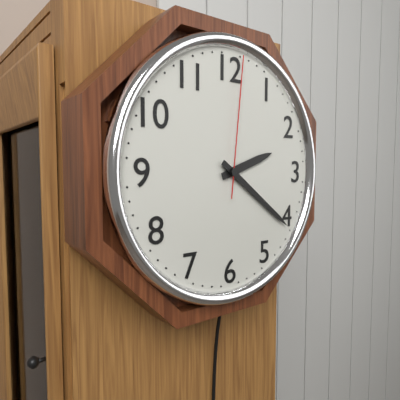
2:21:01
